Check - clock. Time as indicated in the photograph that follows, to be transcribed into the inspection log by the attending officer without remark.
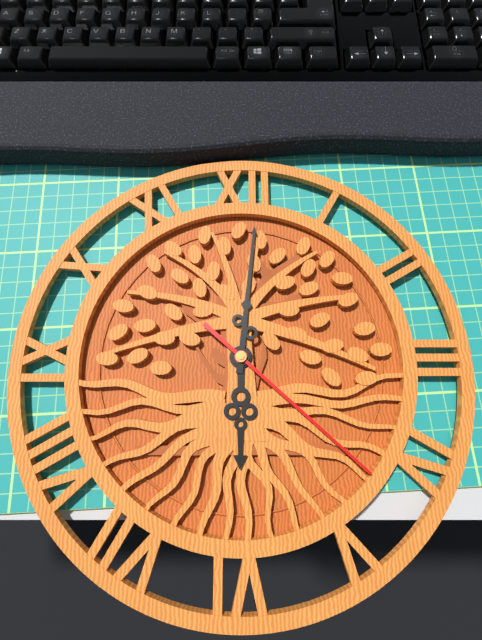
6:01:22
